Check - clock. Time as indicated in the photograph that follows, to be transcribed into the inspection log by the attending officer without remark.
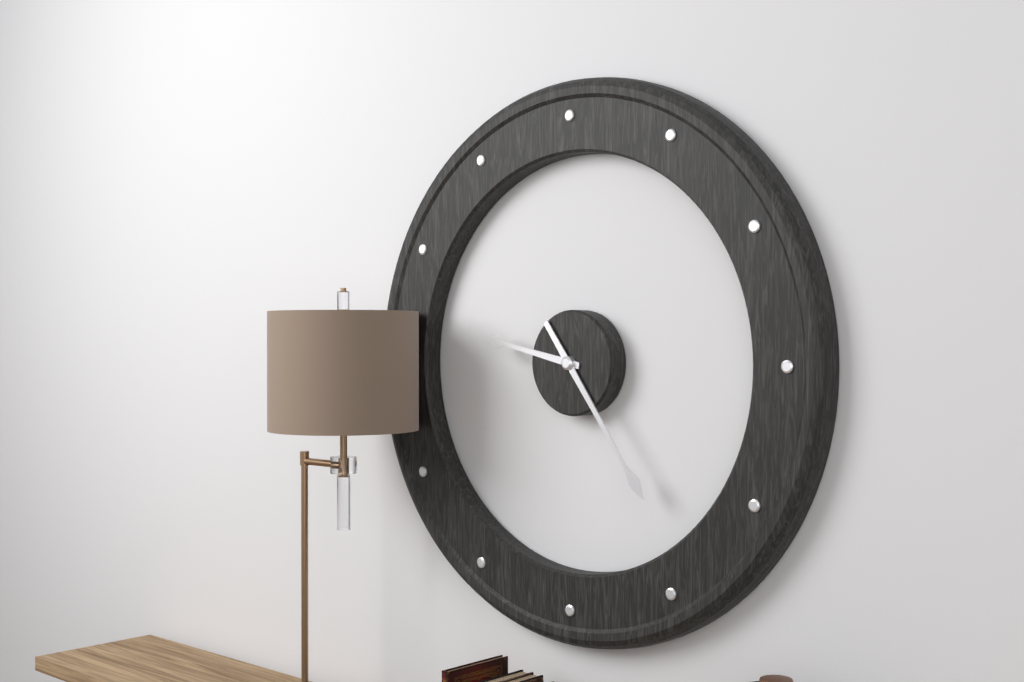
9:24
